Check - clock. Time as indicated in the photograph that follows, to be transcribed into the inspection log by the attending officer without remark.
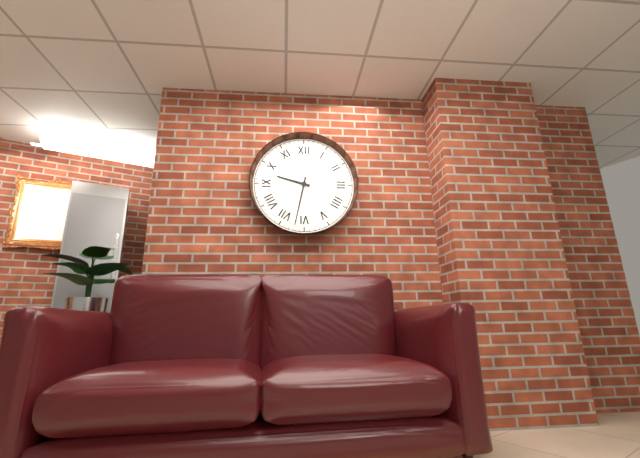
9:32
